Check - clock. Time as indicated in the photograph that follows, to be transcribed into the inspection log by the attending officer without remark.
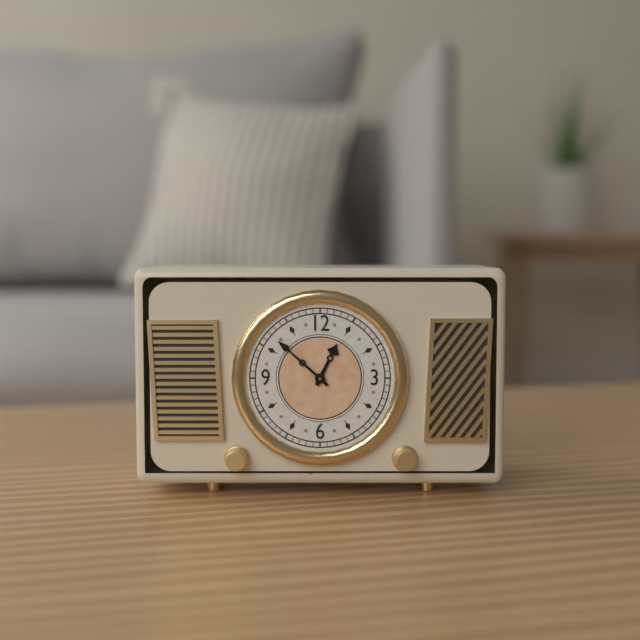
12:52
